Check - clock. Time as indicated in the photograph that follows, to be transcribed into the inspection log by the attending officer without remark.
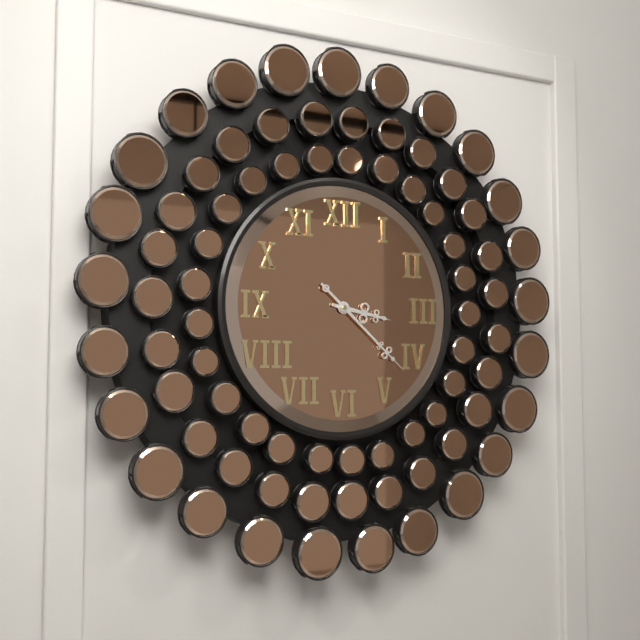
3:22
